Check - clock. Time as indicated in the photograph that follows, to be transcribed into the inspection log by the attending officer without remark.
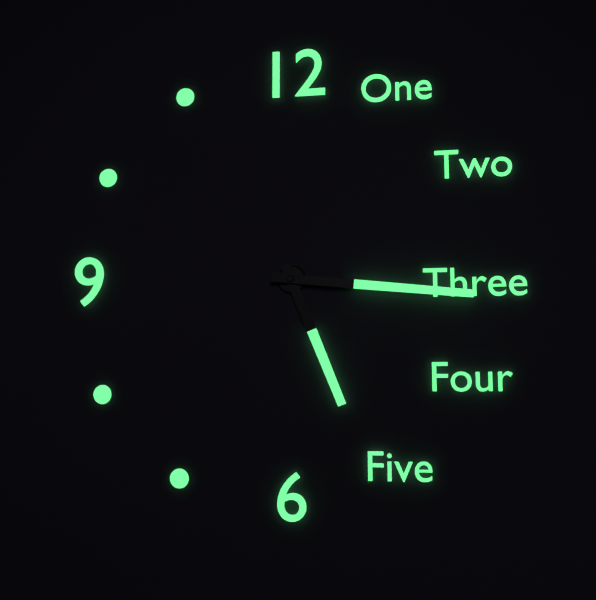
5:16
